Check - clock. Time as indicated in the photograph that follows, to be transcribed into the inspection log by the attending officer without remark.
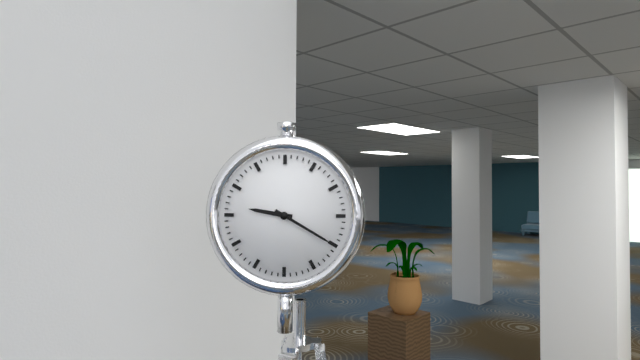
9:20
